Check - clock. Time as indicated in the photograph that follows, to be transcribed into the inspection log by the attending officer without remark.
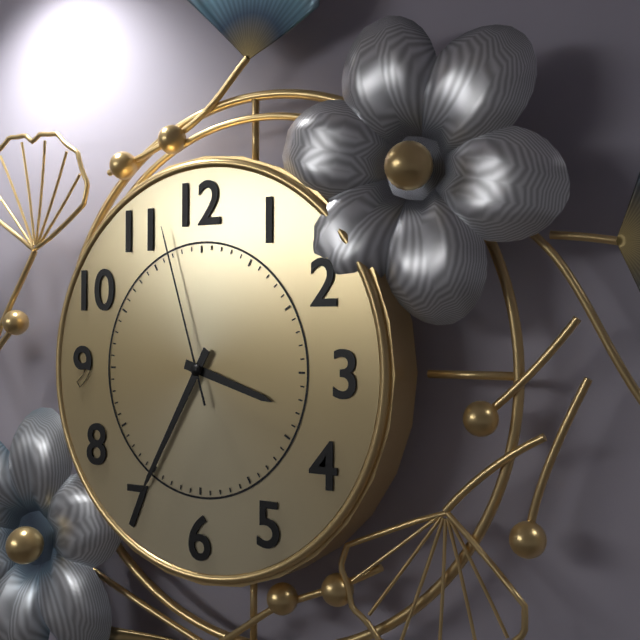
3:35:57
